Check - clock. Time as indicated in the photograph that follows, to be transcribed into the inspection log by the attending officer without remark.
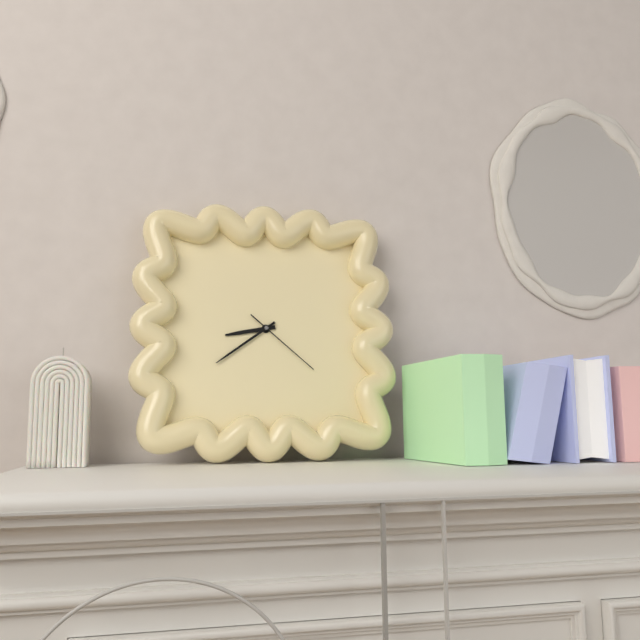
8:39:22
